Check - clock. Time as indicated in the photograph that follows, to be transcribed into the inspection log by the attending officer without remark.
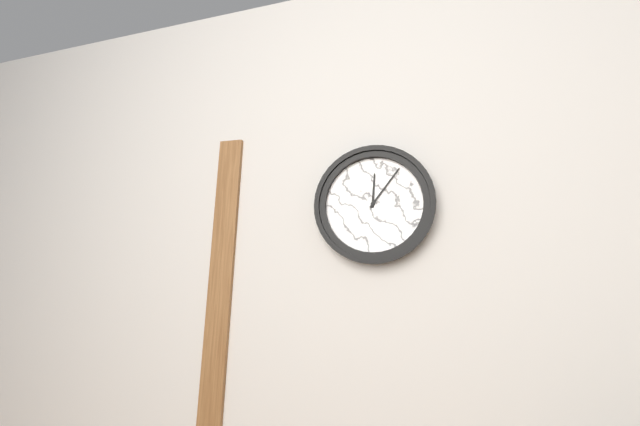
12:06
